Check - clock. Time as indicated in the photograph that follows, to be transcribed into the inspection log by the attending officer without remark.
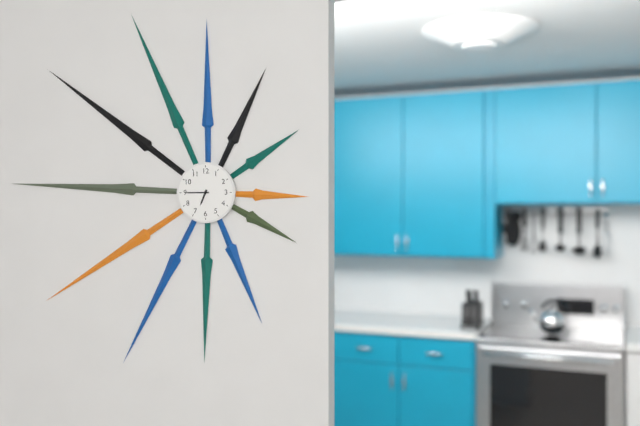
6:45
